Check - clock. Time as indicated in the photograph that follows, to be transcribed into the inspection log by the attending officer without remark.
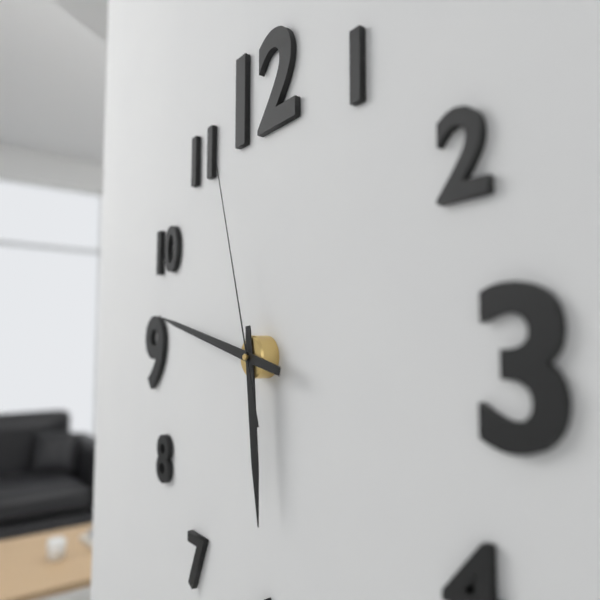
5:47:57
